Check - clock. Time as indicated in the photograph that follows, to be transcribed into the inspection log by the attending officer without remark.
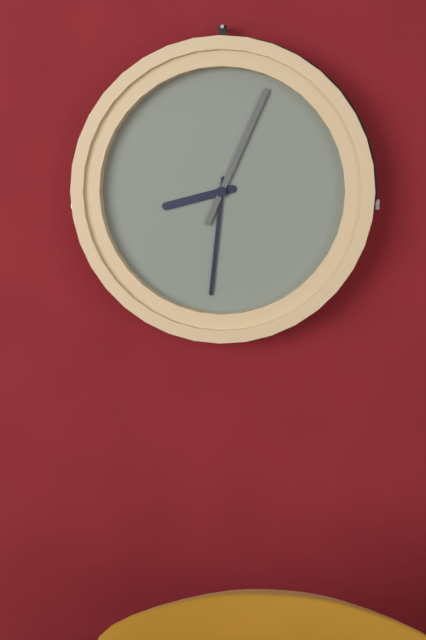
8:31:04
